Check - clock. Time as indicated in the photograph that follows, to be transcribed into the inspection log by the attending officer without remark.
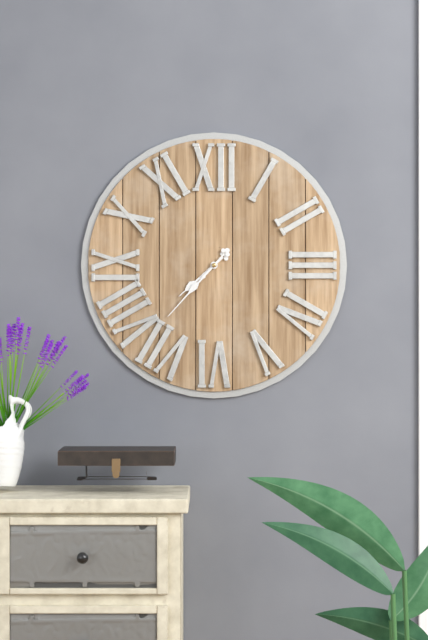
7:37
